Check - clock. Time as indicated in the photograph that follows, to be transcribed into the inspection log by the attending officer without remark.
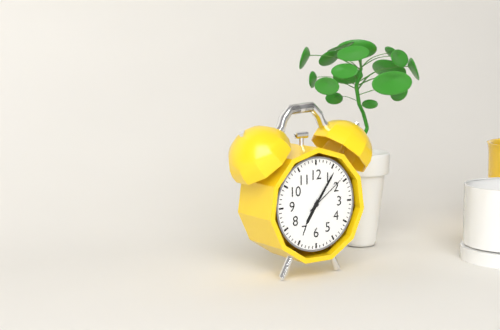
7:06
